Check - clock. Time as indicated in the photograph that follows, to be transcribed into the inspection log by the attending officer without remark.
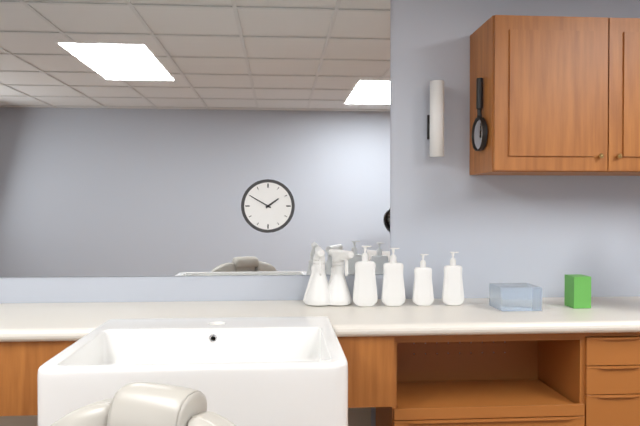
1:50
